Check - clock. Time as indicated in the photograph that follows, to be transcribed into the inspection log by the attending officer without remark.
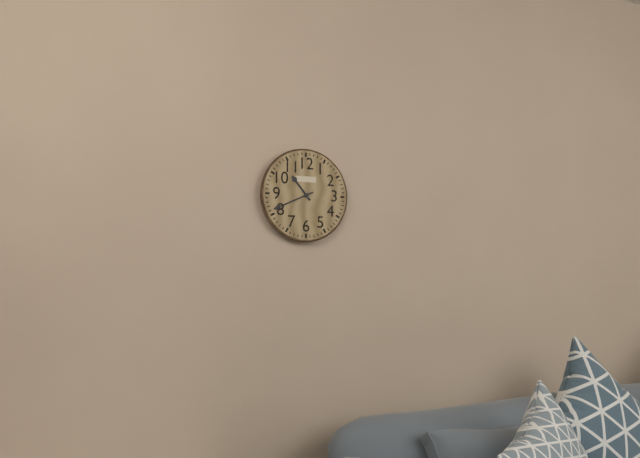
10:41
